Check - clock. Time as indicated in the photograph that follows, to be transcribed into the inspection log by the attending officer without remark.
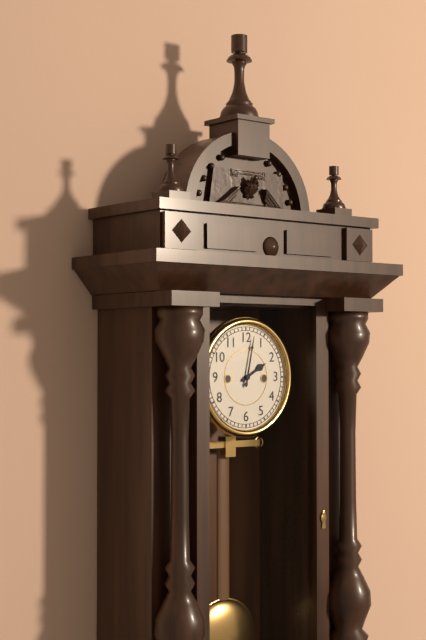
2:02
